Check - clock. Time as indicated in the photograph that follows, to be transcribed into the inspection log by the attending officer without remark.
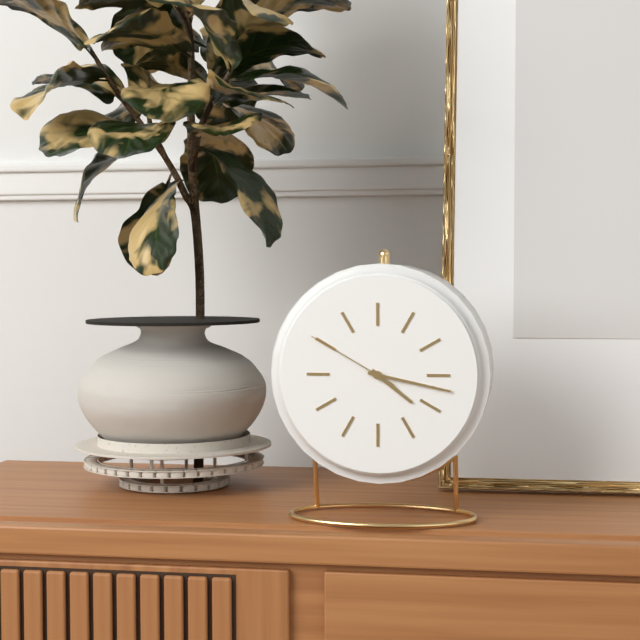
4:17:50
